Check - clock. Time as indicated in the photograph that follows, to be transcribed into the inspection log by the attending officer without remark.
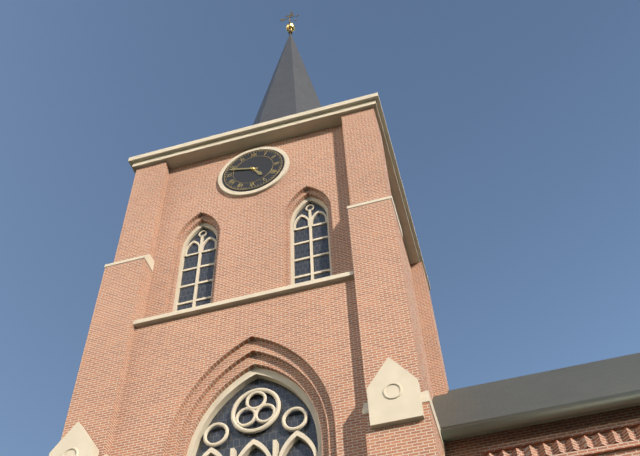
4:48
